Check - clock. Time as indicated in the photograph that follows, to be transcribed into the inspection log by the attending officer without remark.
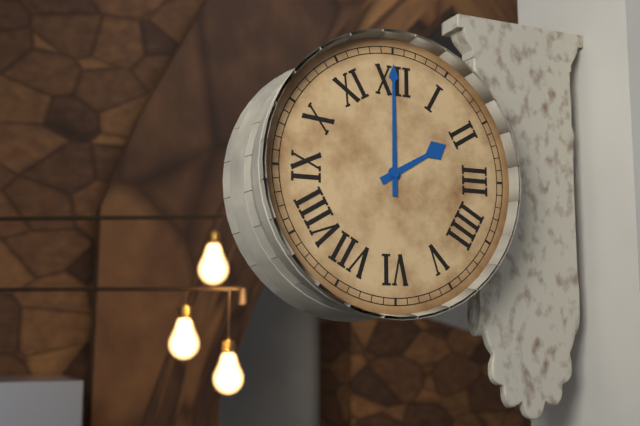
2:00
